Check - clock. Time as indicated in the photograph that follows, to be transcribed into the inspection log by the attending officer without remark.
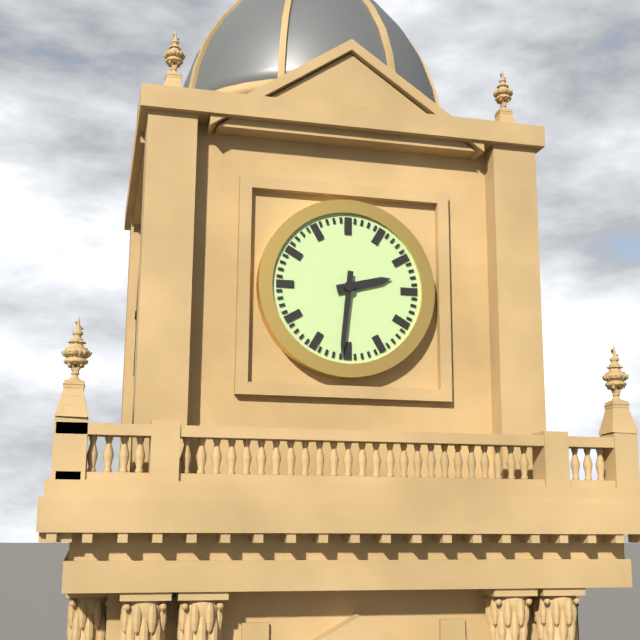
2:31
